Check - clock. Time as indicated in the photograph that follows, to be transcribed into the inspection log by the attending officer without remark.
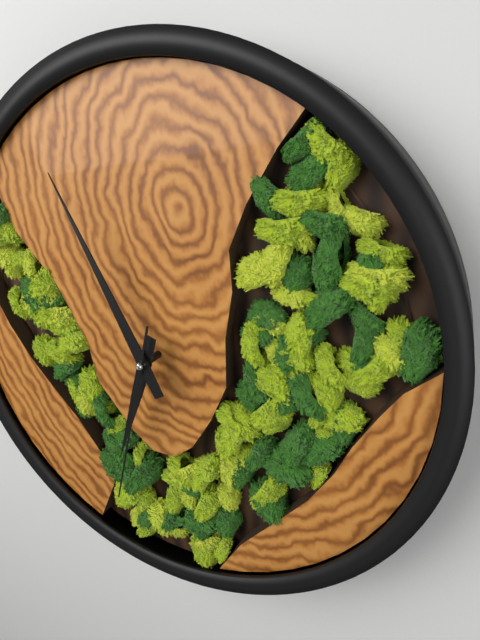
6:57:34
